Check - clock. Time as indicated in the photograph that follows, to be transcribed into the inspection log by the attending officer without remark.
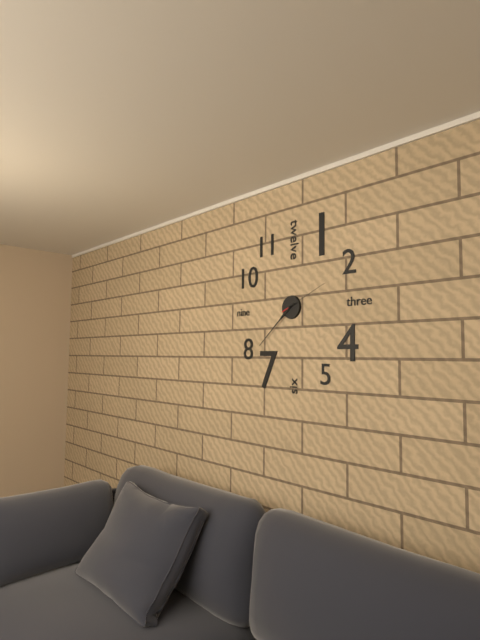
7:38:11
